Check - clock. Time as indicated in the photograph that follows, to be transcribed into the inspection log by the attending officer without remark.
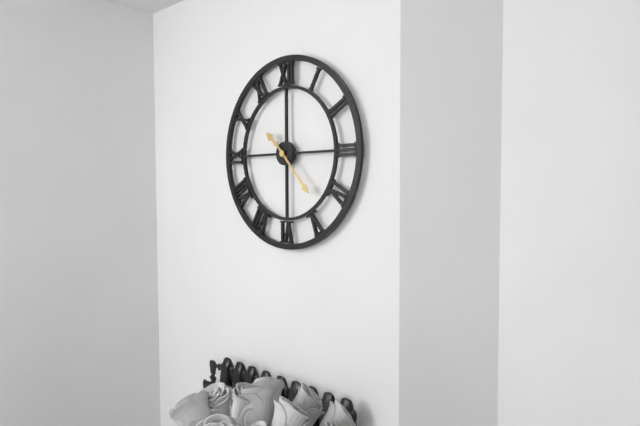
10:23
